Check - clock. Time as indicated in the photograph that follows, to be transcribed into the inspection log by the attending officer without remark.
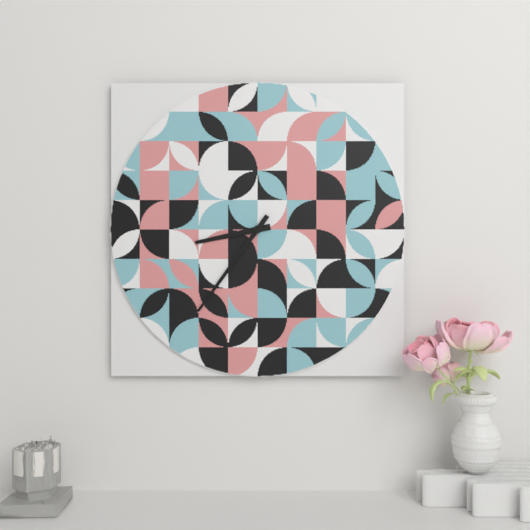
8:36
